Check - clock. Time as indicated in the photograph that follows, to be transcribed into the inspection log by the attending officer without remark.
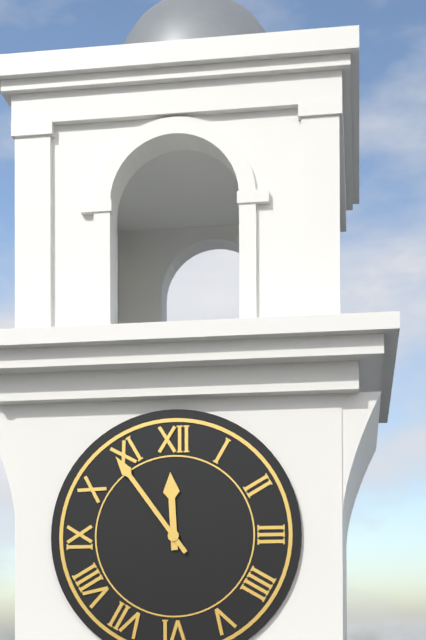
11:54
